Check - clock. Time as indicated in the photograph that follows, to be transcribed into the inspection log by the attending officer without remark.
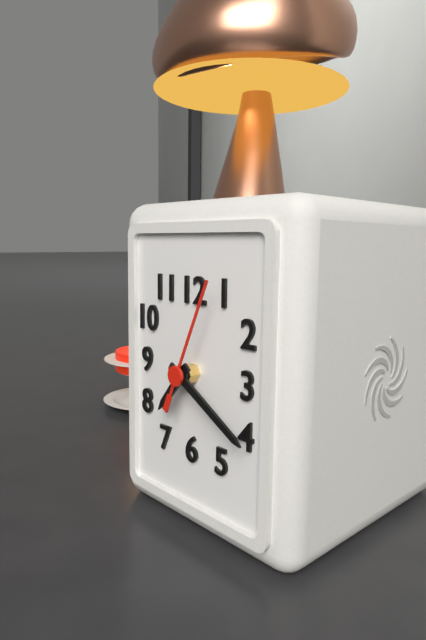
7:20:04
